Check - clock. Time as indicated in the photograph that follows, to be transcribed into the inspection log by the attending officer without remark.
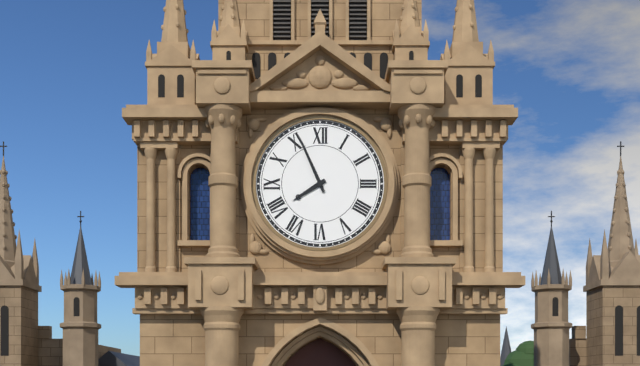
7:56
